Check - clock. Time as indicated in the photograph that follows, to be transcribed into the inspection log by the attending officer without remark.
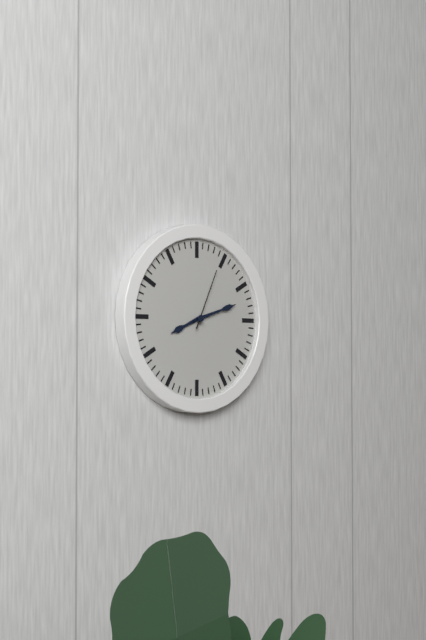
8:12:04
